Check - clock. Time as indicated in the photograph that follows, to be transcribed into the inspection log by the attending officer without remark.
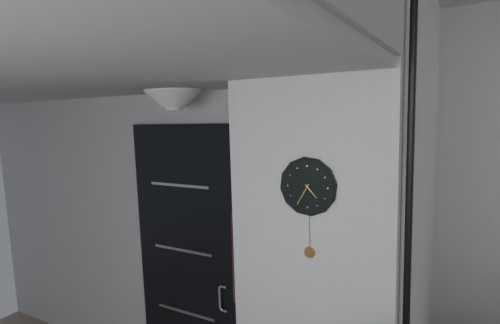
4:35
